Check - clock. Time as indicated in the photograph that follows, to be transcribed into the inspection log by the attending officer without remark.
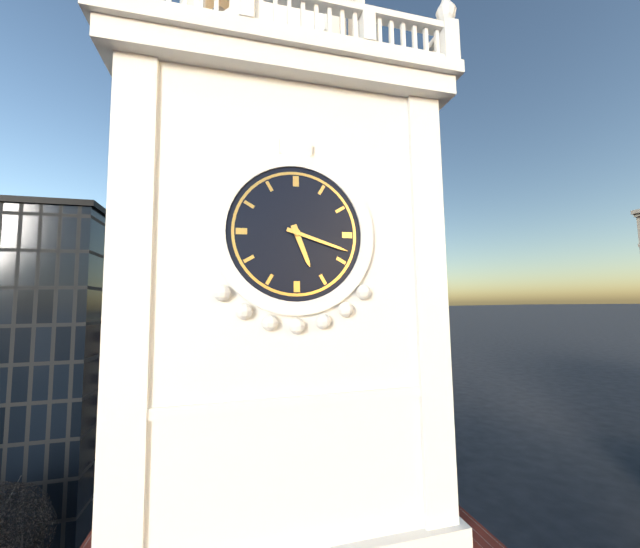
5:18
